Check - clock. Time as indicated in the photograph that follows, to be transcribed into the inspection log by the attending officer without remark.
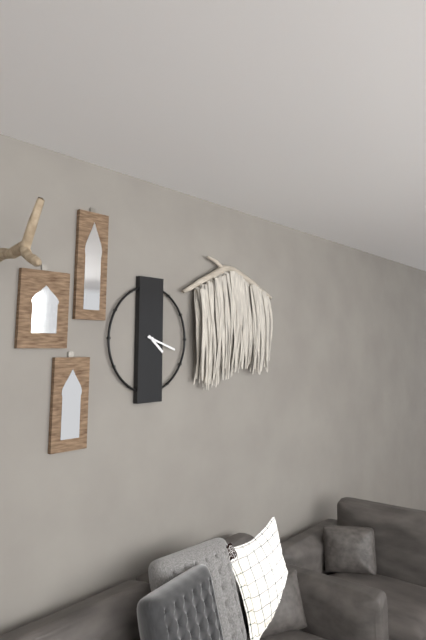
4:18
